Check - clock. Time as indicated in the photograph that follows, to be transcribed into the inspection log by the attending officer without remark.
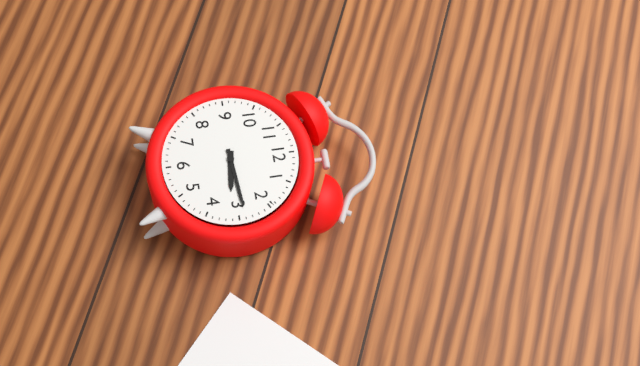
3:14
